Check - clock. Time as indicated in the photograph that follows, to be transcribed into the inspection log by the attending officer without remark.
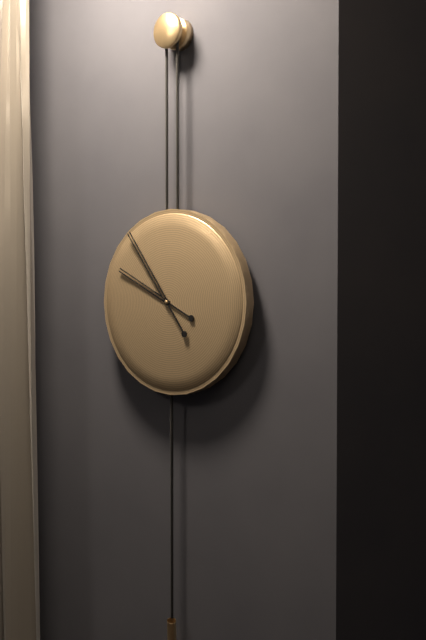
9:54
